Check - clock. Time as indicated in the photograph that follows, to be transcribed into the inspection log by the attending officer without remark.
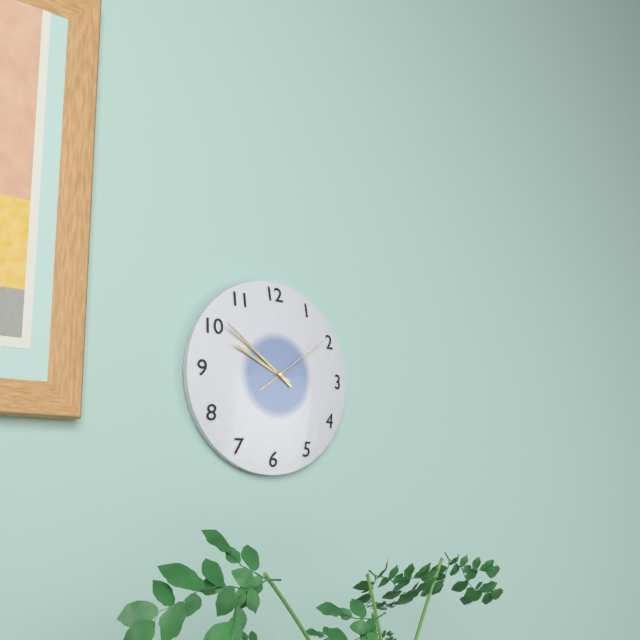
9:51:09
